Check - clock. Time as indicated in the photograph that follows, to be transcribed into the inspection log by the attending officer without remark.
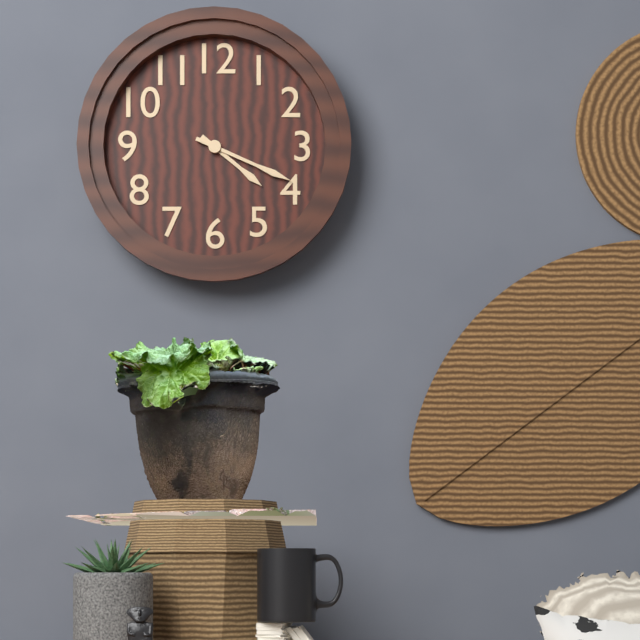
4:19
